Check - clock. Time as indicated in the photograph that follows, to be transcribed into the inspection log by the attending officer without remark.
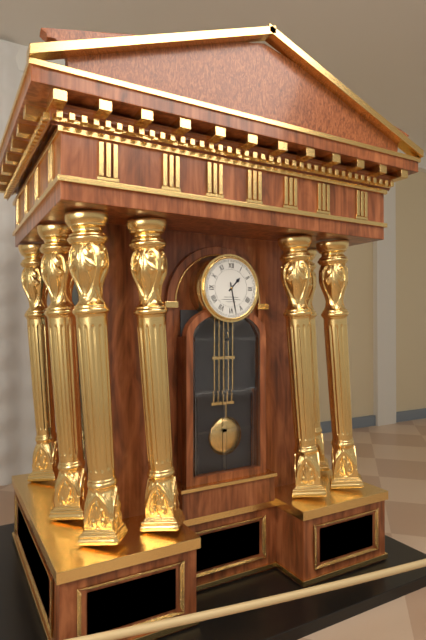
1:28
